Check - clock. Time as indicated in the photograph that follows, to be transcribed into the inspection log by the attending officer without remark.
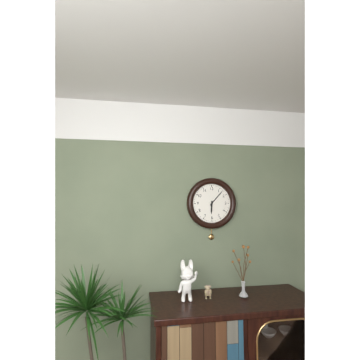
6:07
